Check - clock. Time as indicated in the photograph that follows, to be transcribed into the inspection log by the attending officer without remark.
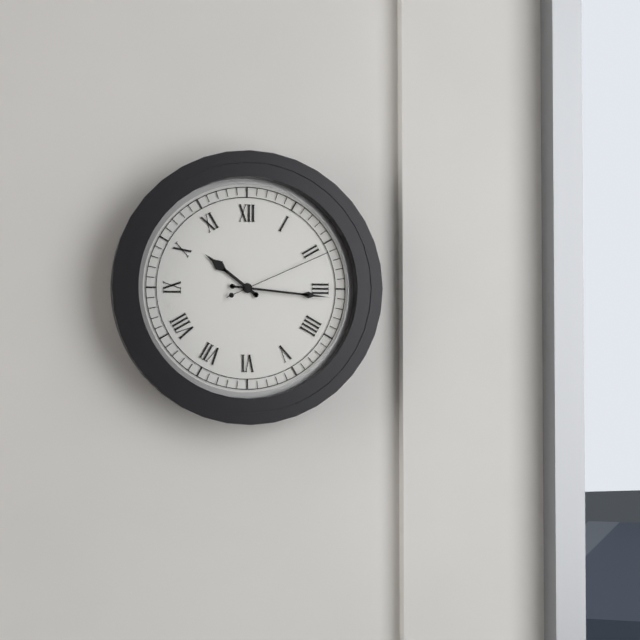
10:16:11
